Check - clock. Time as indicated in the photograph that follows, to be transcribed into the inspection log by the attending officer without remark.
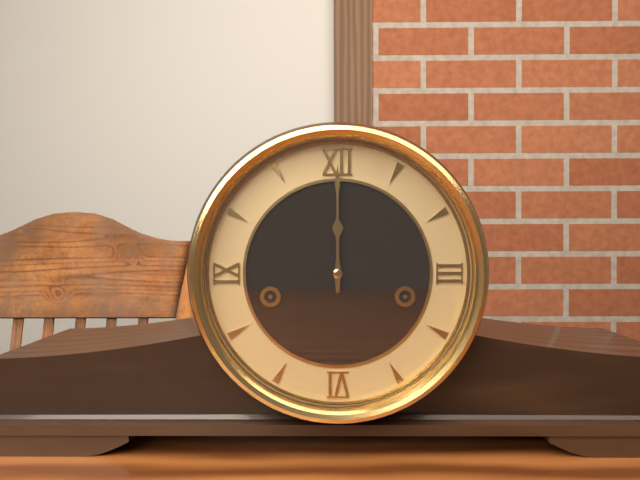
12:00
